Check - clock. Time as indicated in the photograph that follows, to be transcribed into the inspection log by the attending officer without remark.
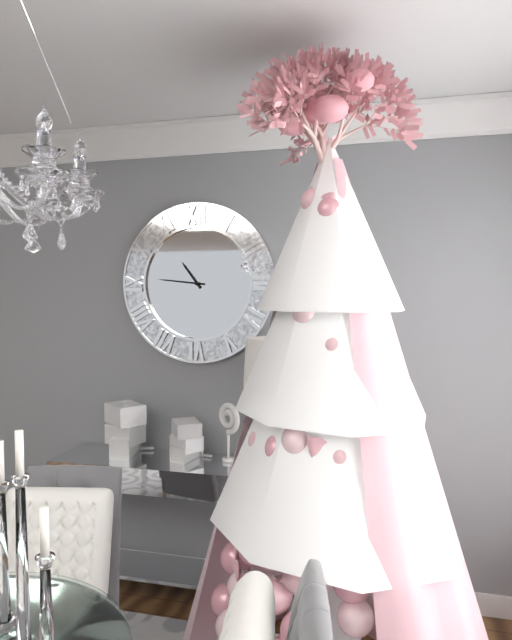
10:46
